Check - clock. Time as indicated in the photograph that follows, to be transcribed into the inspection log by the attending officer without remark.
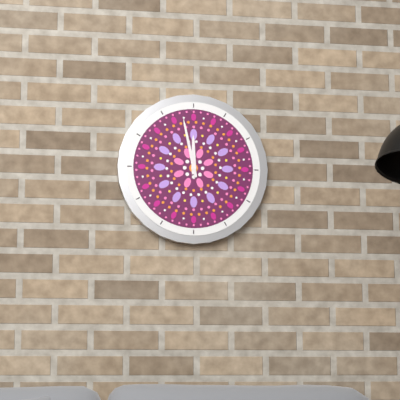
11:58
